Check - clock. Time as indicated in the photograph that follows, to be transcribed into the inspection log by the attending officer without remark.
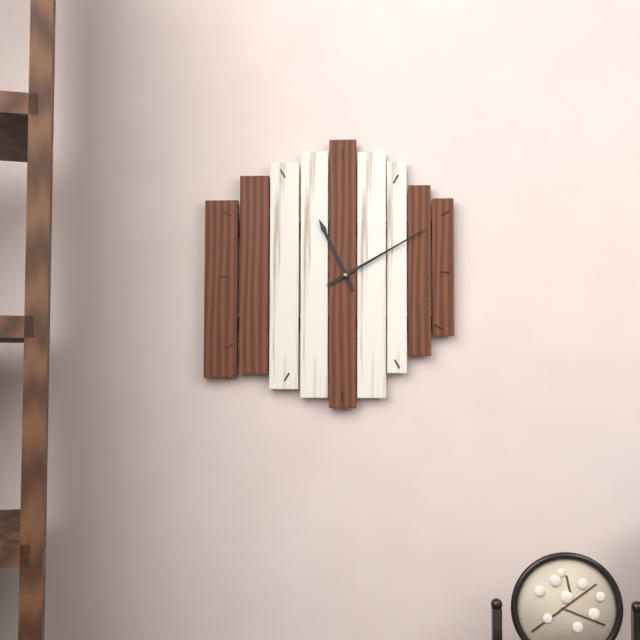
11:10
